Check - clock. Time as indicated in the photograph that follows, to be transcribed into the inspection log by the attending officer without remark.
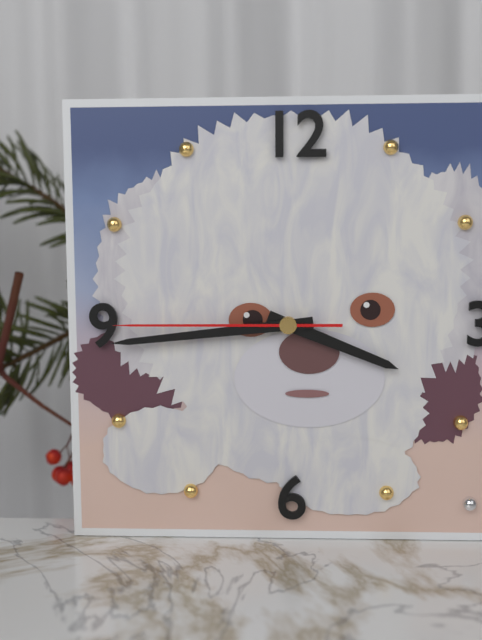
3:44:45
